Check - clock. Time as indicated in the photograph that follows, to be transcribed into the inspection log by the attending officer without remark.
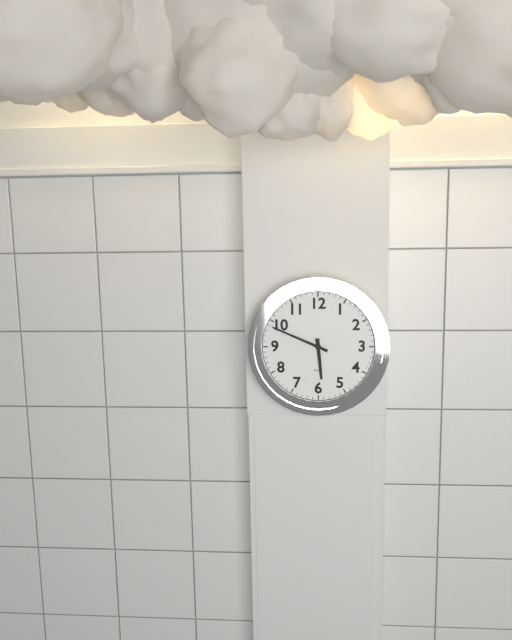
5:49
